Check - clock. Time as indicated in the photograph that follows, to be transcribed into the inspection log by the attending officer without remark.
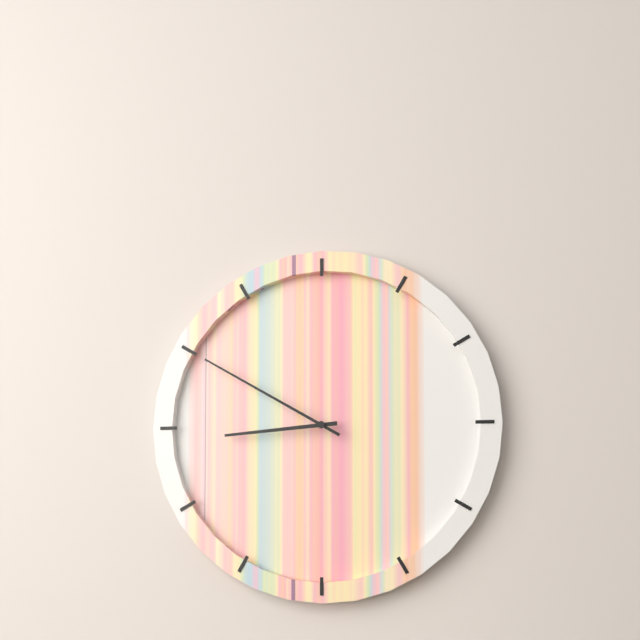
8:50
